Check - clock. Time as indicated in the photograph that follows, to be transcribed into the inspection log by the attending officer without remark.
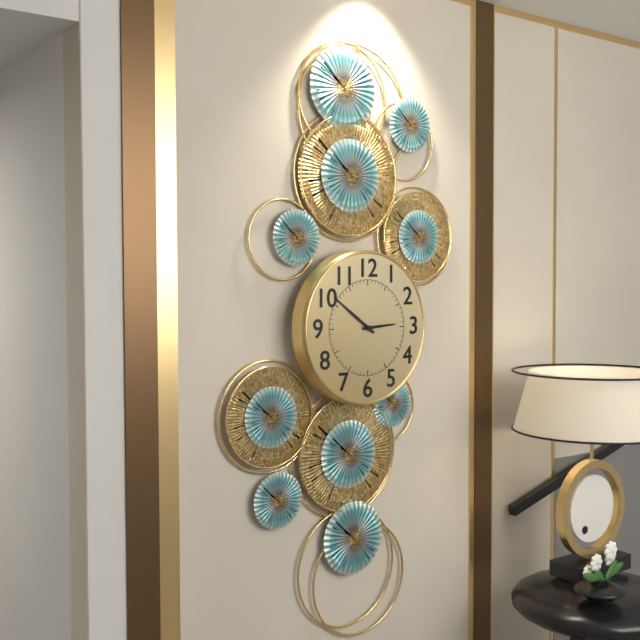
2:51
